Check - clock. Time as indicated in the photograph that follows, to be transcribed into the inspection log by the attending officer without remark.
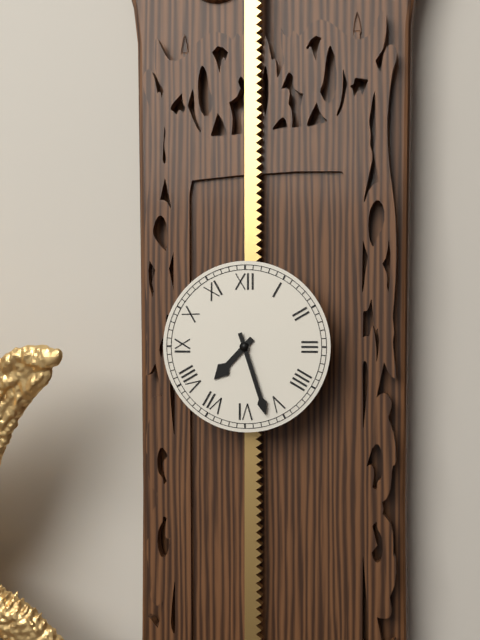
7:27
